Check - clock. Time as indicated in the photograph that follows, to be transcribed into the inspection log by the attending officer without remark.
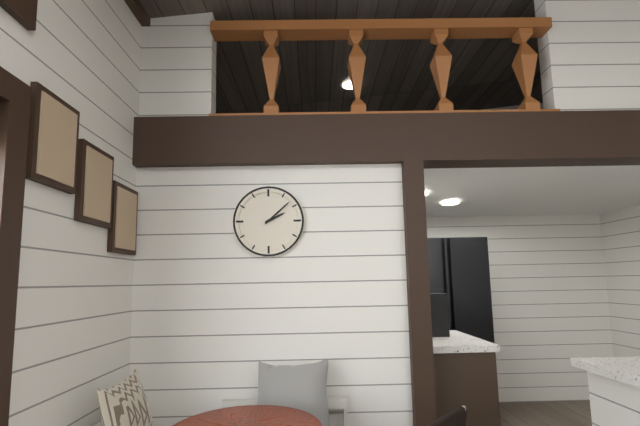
2:08
